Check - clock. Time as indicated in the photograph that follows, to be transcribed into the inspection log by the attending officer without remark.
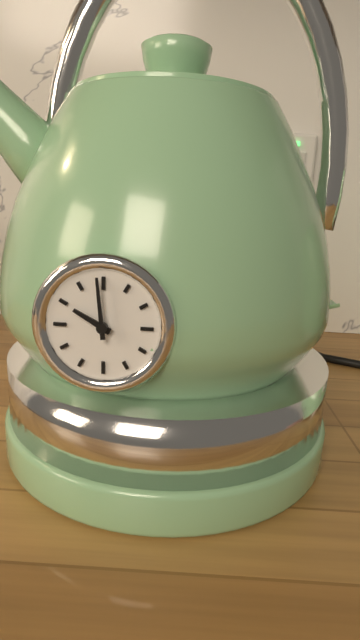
9:59
